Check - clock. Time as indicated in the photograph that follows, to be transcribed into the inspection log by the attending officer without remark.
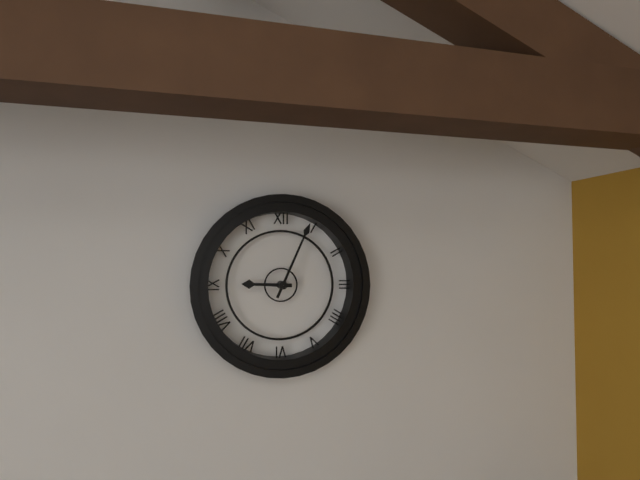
9:04
